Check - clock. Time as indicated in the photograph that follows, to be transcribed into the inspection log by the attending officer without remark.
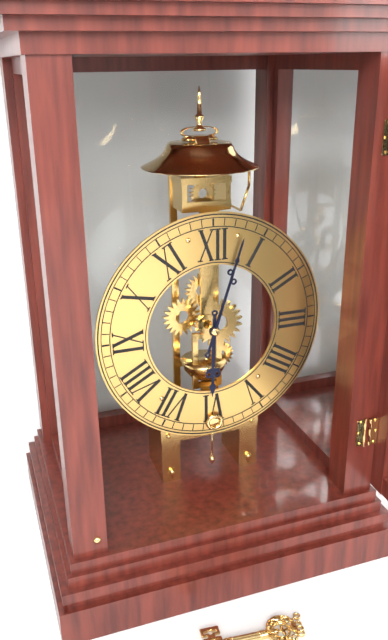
6:03
